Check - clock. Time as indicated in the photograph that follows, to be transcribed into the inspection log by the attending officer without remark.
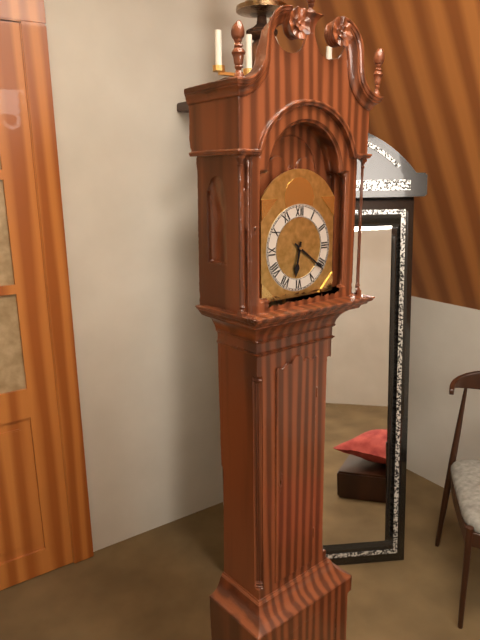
6:21
